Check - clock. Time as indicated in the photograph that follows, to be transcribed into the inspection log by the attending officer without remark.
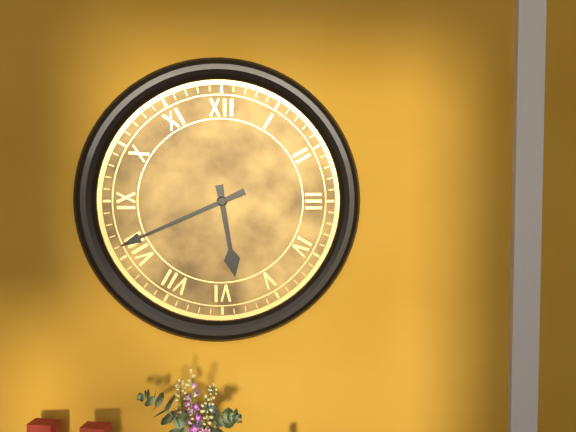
5:41
